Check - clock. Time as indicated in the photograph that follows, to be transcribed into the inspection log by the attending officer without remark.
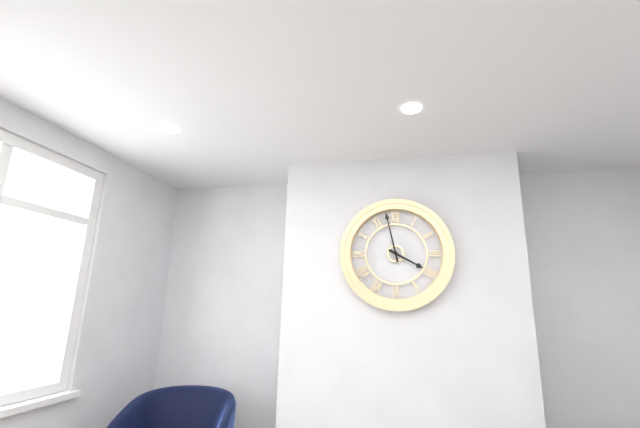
3:58
